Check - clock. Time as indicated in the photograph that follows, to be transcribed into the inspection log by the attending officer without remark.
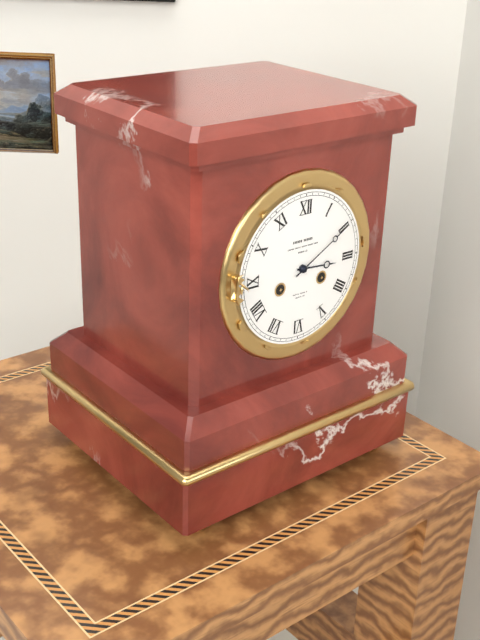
3:10
